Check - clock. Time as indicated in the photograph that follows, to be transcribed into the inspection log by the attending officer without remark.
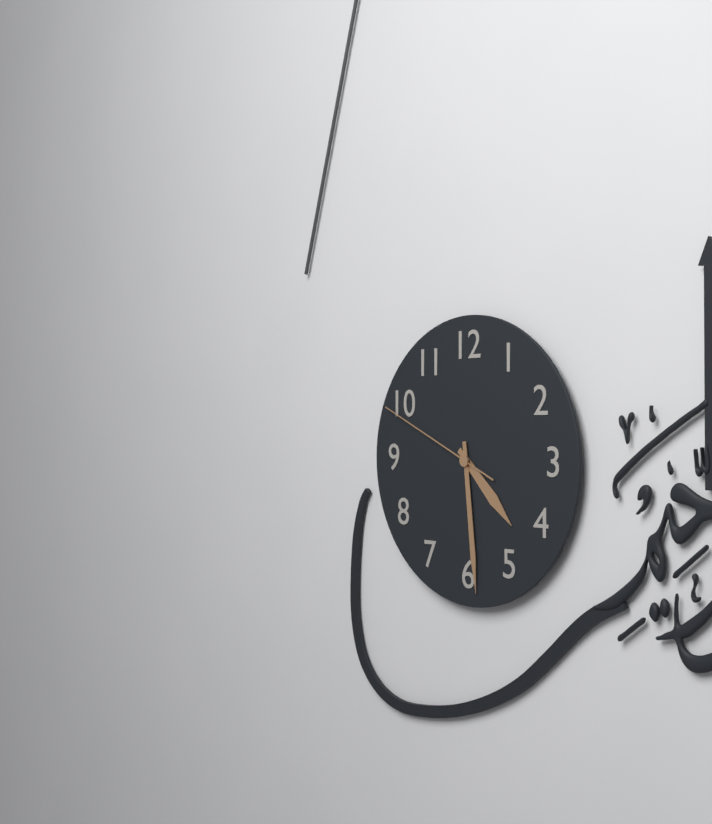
4:29:49
